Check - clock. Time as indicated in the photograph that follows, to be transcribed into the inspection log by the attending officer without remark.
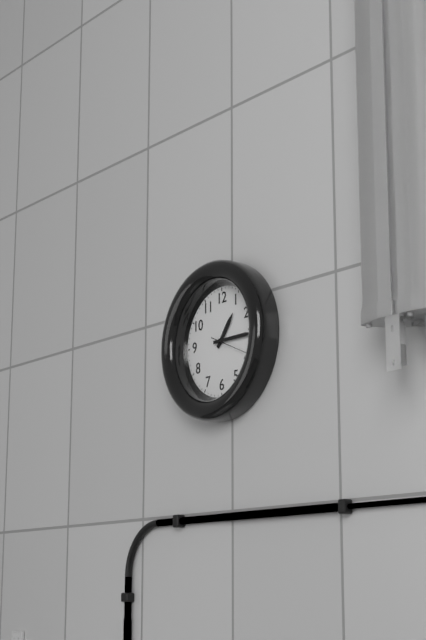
1:15
